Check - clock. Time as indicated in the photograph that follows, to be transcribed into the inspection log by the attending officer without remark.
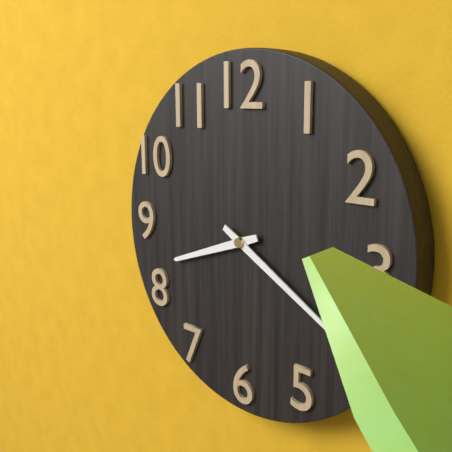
8:20
